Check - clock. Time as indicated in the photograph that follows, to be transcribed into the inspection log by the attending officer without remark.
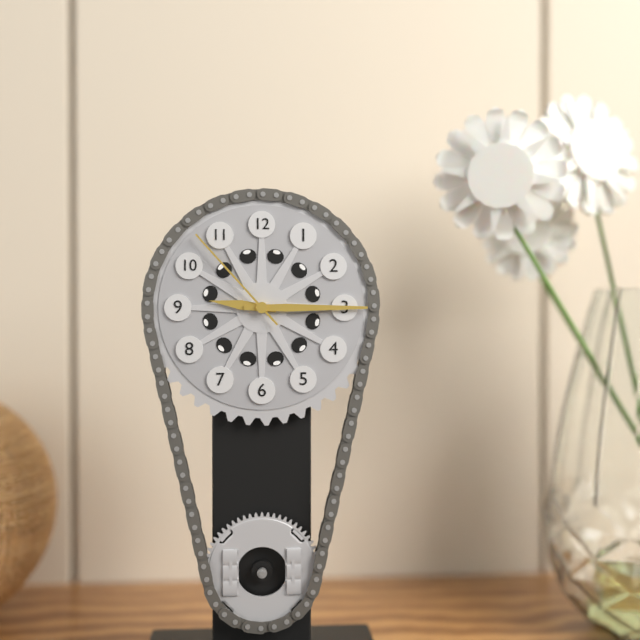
9:15:53
